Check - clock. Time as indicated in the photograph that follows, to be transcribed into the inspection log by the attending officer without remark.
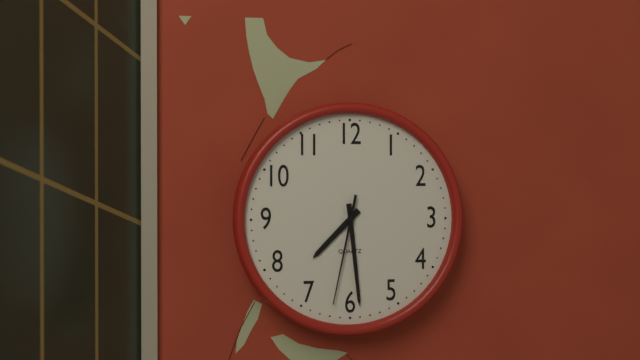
7:29:32
